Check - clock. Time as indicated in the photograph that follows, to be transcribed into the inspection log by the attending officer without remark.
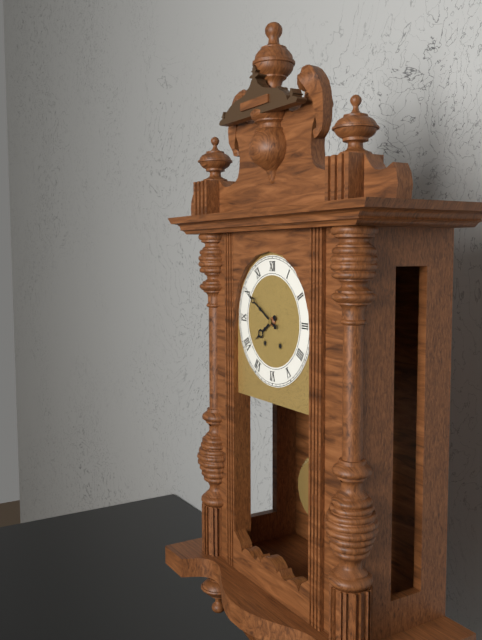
7:50
